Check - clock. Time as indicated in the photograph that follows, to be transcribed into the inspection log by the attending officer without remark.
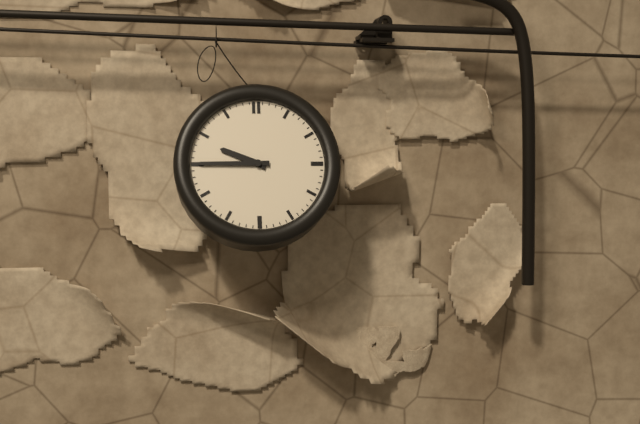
9:45
